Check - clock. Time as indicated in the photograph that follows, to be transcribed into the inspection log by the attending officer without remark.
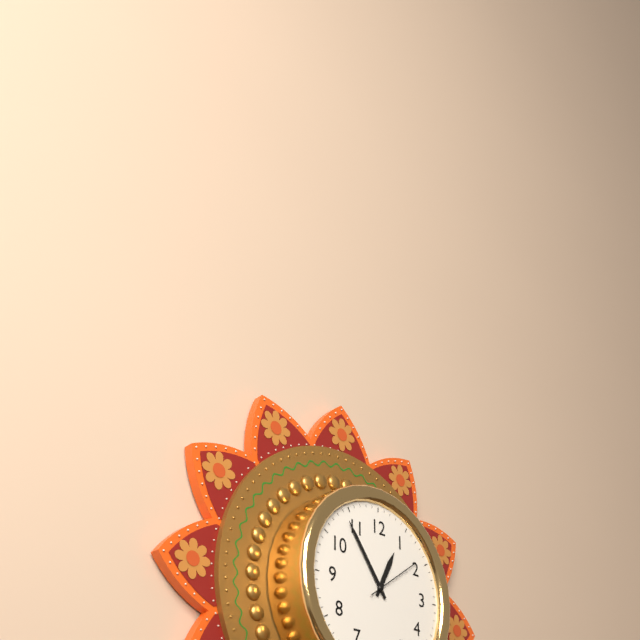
12:54:09
